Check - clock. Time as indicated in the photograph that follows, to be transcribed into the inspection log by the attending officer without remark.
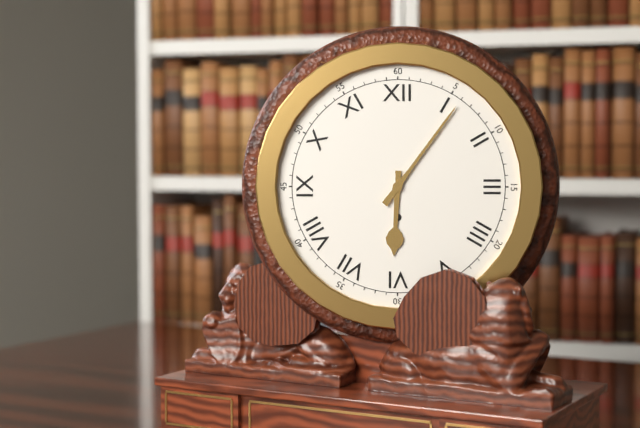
6:06
